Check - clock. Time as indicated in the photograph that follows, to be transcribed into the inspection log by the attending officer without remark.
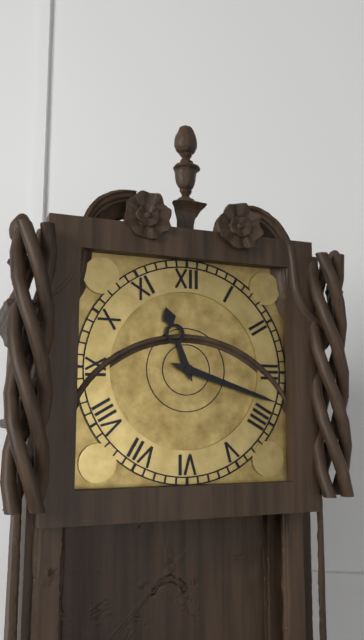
11:18
